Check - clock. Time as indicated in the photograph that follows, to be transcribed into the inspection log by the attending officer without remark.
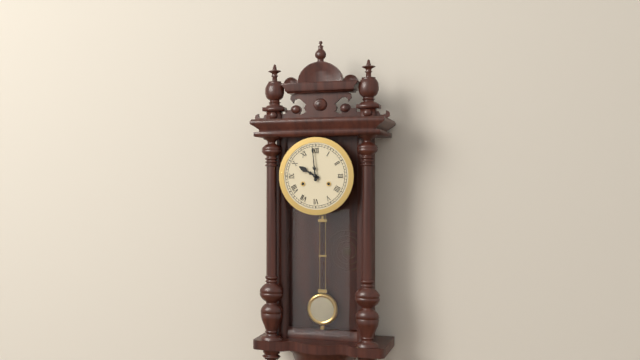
9:59
